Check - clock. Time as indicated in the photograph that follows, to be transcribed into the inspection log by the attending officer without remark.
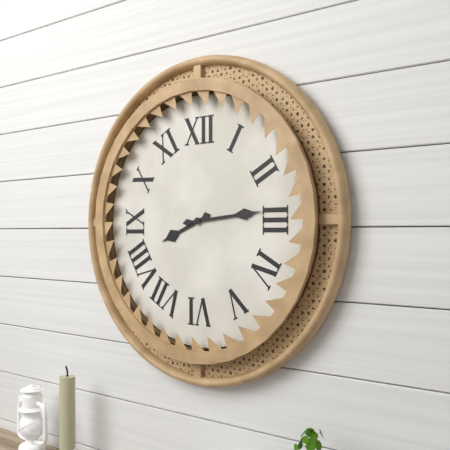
8:14
